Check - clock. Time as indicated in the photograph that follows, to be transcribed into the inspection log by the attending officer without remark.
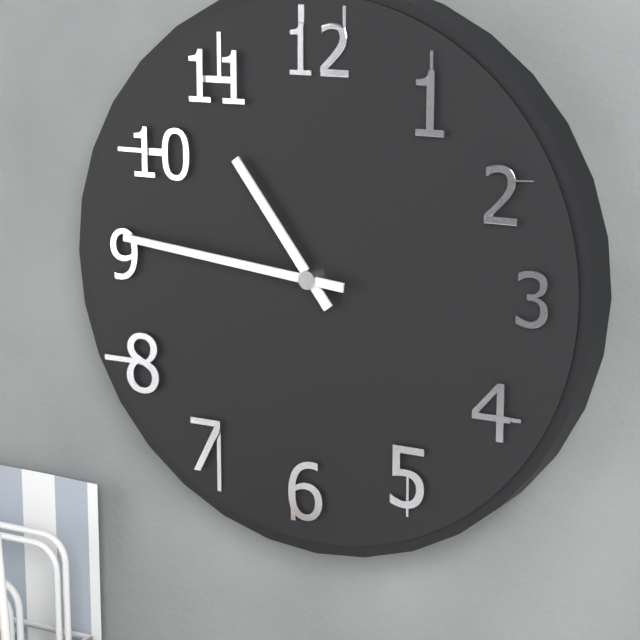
10:46
